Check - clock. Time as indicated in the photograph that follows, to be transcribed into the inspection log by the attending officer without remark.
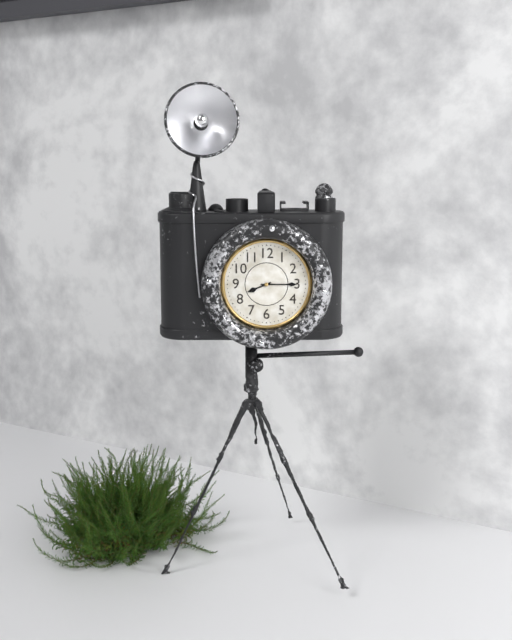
8:15
